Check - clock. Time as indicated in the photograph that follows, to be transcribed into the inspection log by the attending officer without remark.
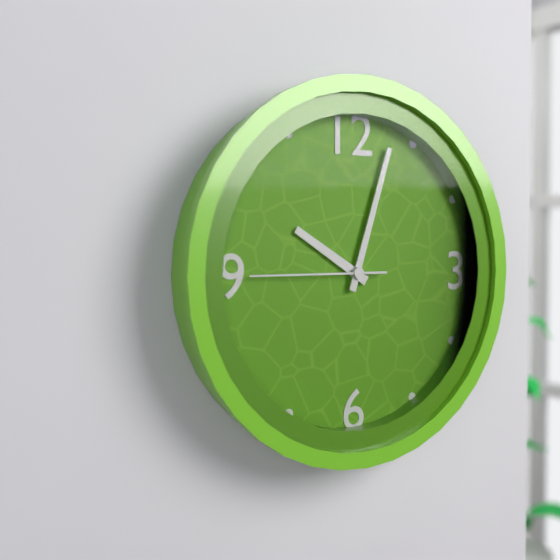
10:03:45
